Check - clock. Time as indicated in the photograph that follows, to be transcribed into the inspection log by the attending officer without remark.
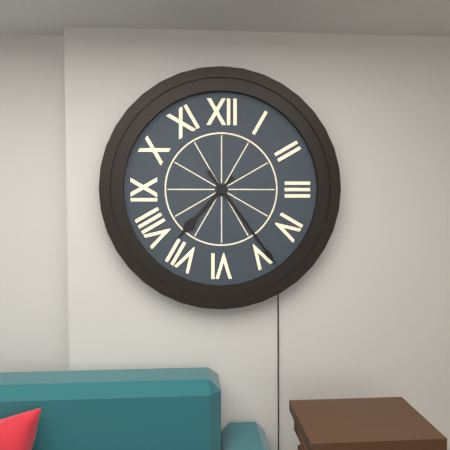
7:24
